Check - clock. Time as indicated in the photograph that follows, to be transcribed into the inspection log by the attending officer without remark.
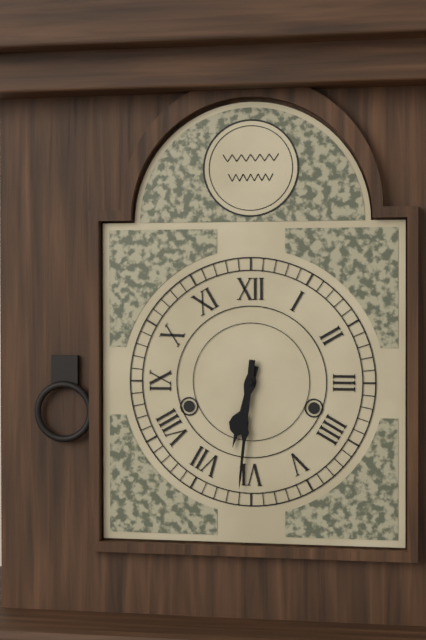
6:31
